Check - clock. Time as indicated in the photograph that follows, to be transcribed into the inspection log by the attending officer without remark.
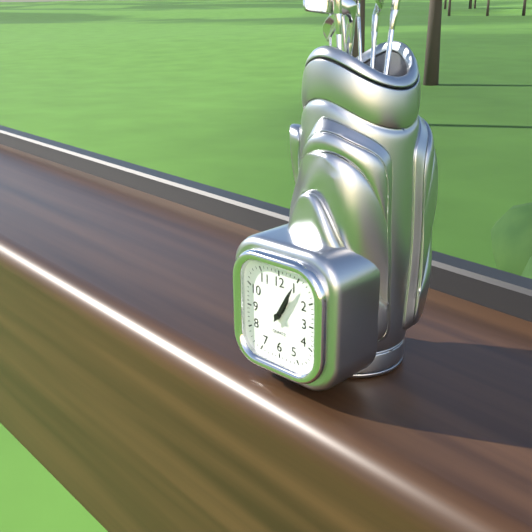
1:05
